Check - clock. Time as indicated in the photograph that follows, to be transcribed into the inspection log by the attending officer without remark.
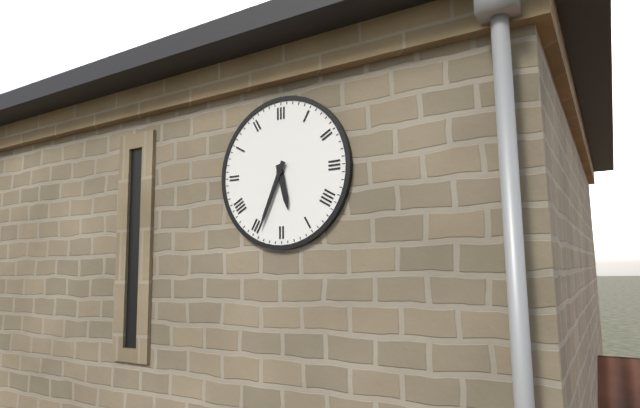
5:34
